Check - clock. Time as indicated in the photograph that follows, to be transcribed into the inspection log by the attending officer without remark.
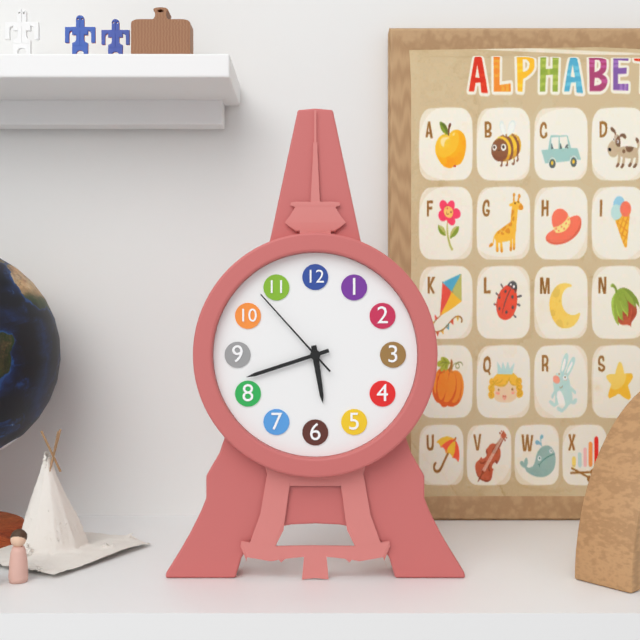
5:42:53
